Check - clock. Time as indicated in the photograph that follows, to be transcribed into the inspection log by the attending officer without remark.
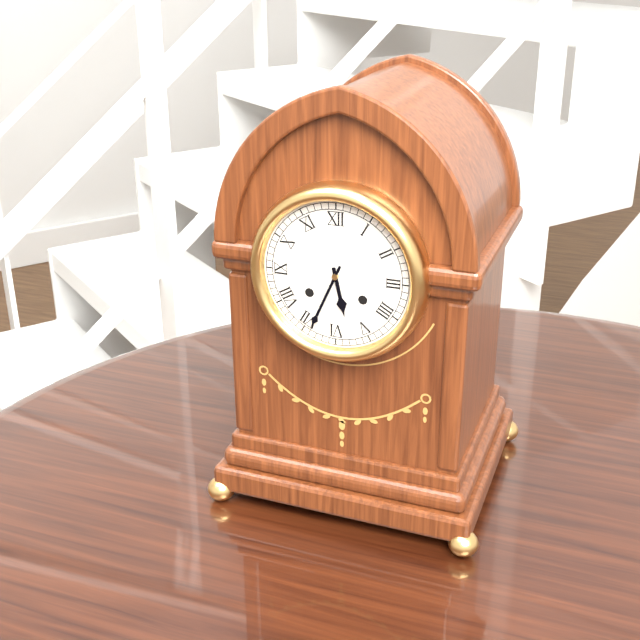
5:34
